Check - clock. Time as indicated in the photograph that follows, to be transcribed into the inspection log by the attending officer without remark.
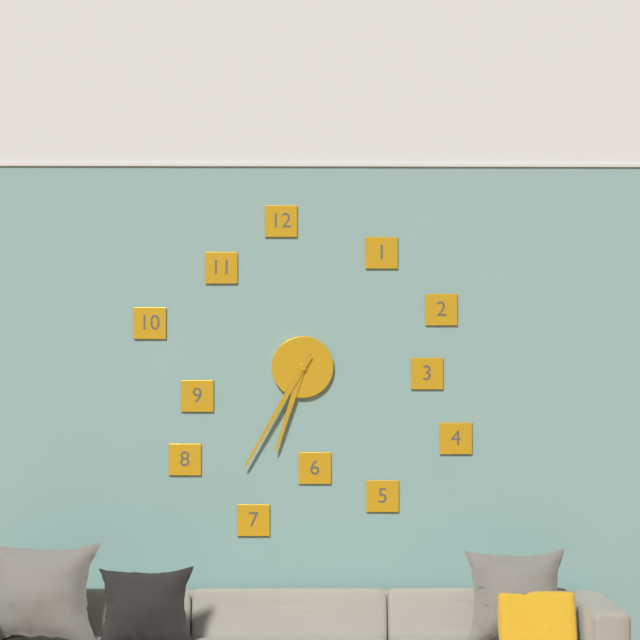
6:35
